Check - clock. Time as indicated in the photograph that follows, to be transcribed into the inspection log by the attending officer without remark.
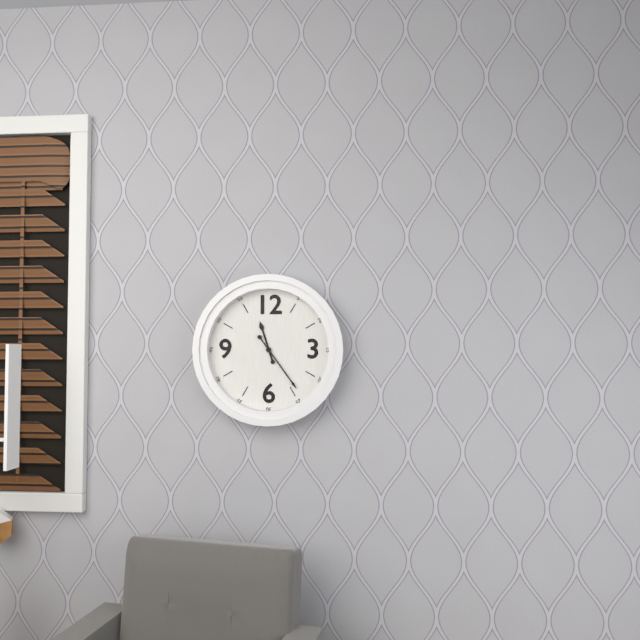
11:24
